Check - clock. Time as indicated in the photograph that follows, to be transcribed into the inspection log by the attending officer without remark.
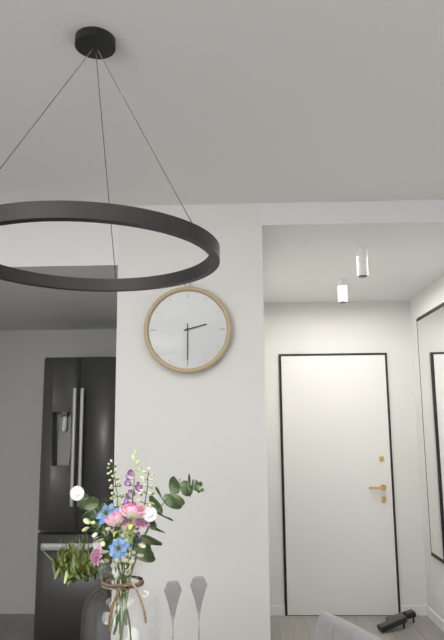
2:30
